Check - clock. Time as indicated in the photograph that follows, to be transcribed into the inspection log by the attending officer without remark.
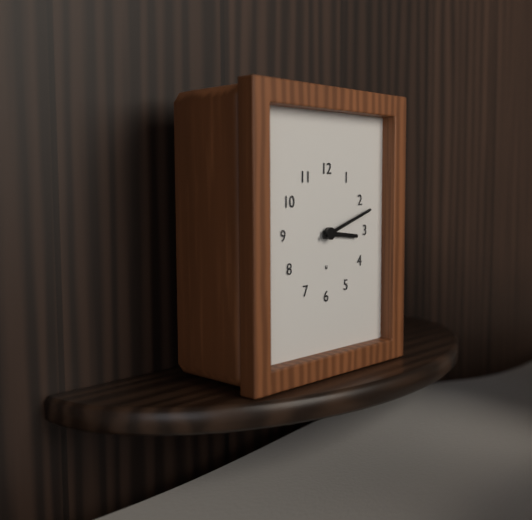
3:12
